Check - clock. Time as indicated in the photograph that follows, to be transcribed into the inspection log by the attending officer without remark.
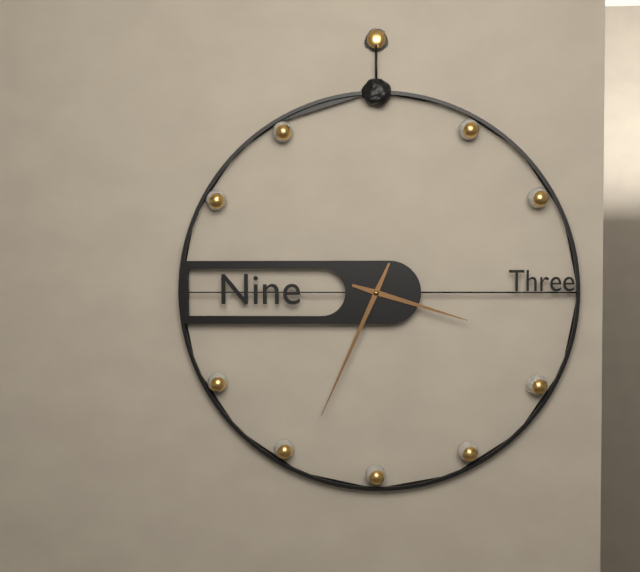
3:34
